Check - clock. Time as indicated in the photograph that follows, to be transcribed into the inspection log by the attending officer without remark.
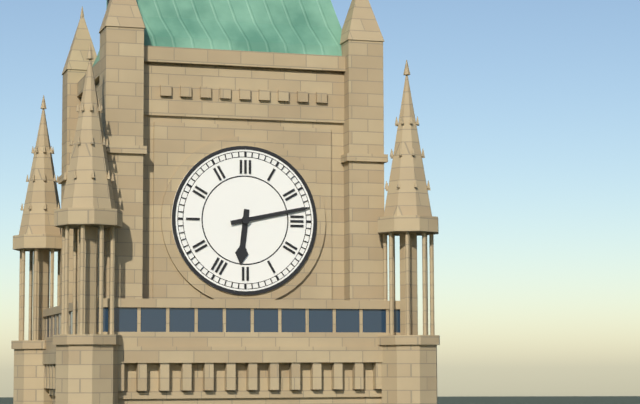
6:13
